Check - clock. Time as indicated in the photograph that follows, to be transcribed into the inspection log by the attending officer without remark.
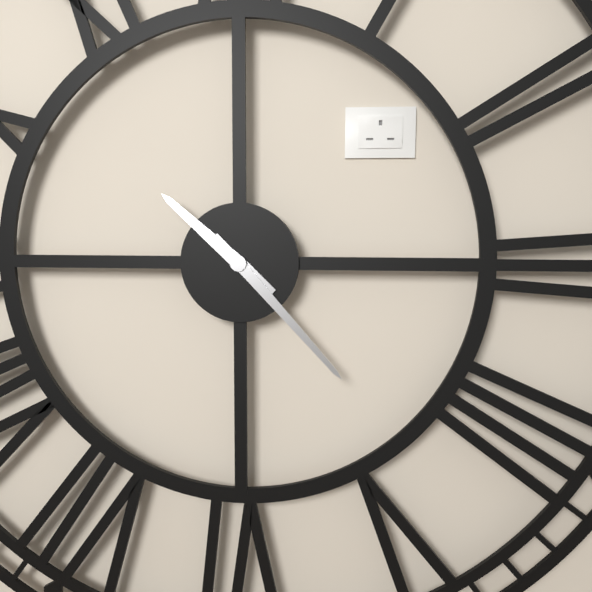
10:23
